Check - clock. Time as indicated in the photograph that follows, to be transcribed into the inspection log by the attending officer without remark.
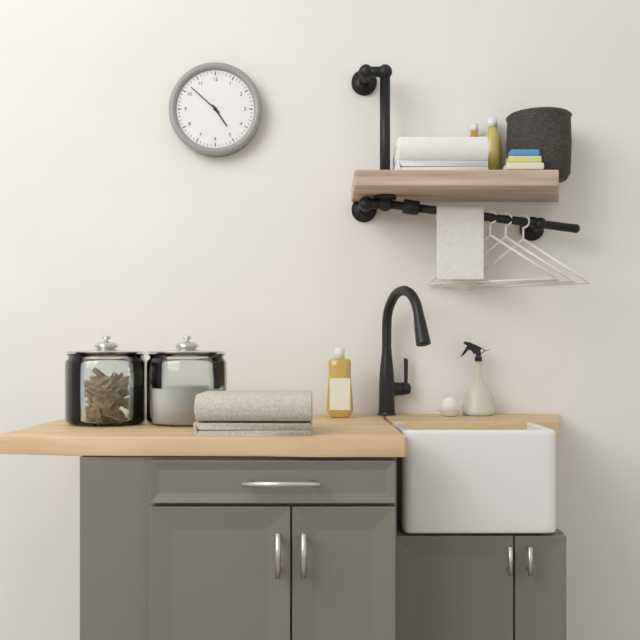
4:52
